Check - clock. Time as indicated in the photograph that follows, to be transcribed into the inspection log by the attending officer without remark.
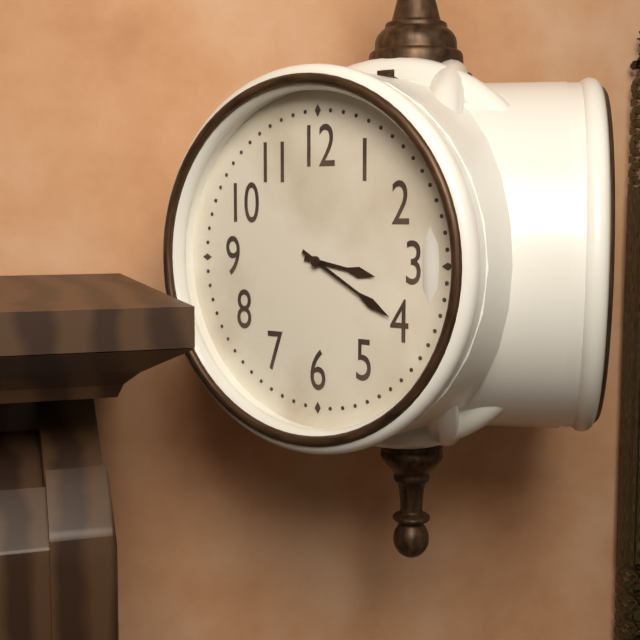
3:20
